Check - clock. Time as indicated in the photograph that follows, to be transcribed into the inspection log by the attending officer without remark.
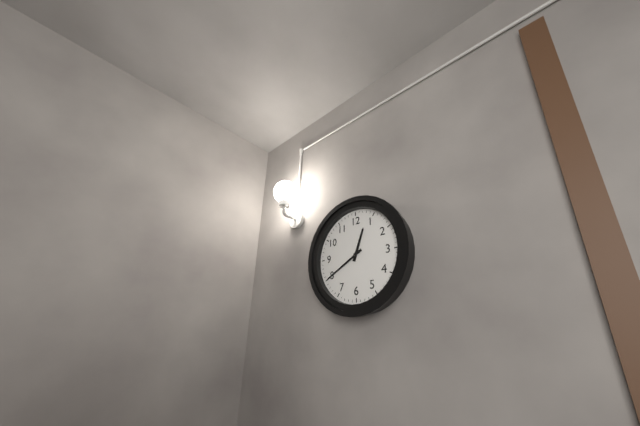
12:40
